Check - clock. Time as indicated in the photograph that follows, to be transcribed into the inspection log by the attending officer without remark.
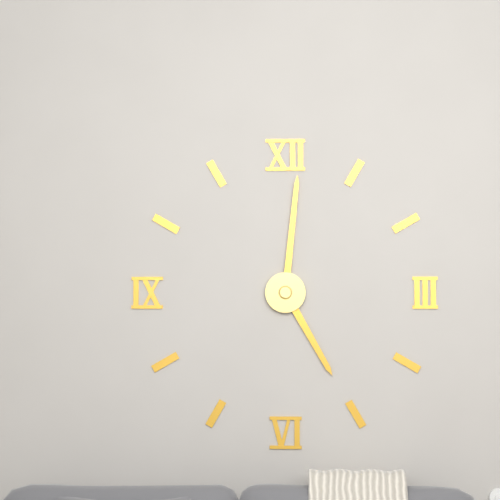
5:01
